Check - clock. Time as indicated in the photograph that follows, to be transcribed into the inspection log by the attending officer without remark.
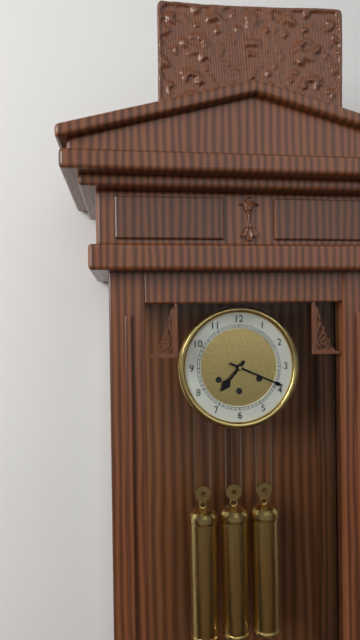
7:19
